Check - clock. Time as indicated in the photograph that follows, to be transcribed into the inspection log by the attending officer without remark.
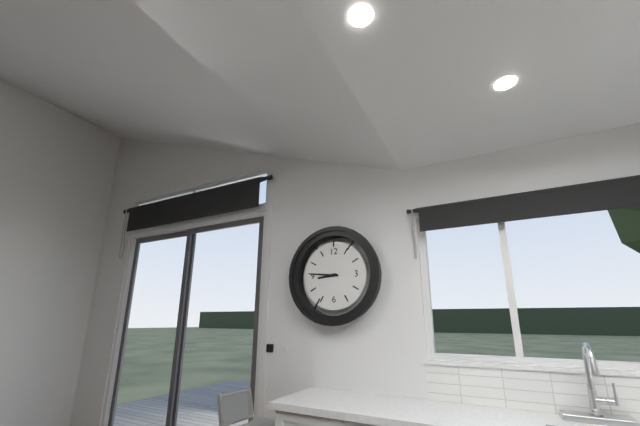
8:46
